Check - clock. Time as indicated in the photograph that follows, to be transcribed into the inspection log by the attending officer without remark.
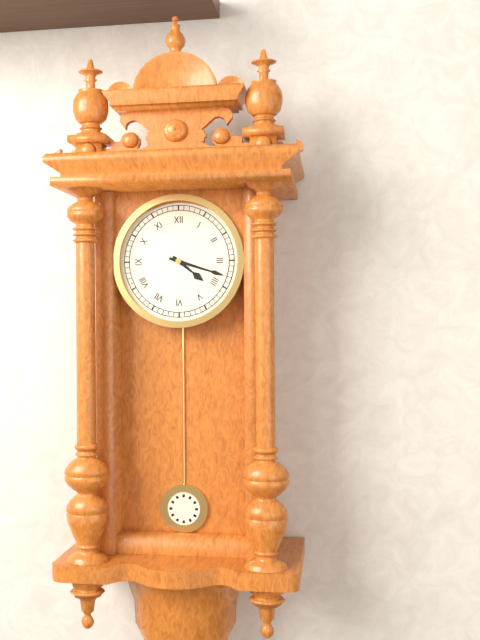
4:18
